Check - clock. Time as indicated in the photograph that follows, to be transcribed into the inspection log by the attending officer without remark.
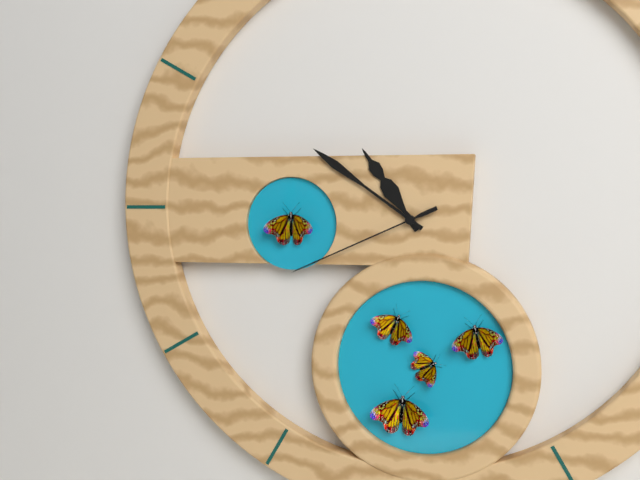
10:51:41
